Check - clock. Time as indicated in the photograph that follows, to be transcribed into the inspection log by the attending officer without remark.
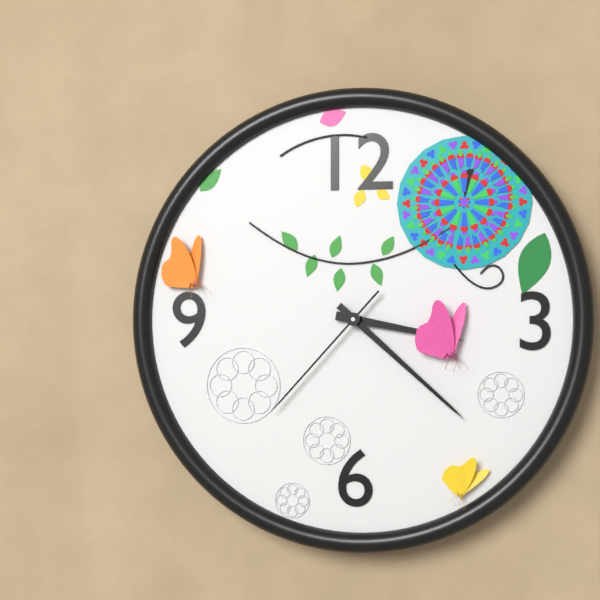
3:22:37
